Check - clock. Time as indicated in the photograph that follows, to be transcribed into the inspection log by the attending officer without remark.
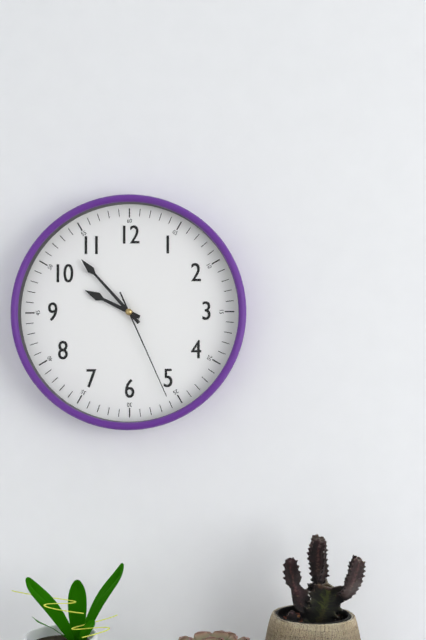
9:53:26
